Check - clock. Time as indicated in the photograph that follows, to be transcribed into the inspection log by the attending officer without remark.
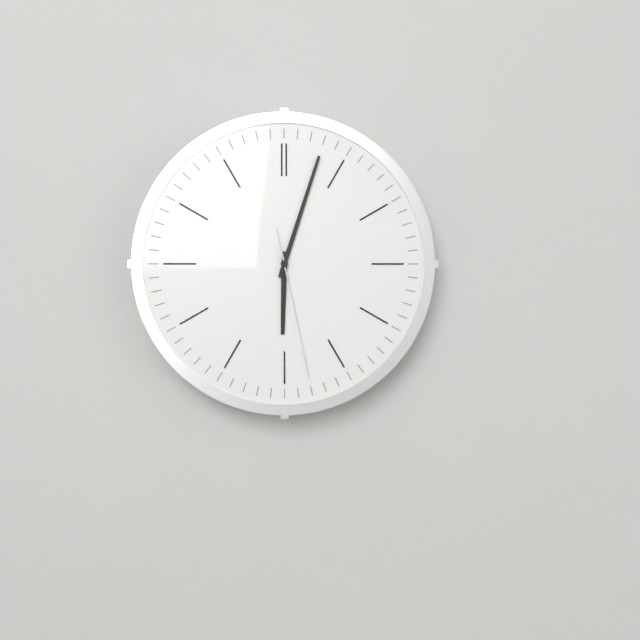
6:03:28
